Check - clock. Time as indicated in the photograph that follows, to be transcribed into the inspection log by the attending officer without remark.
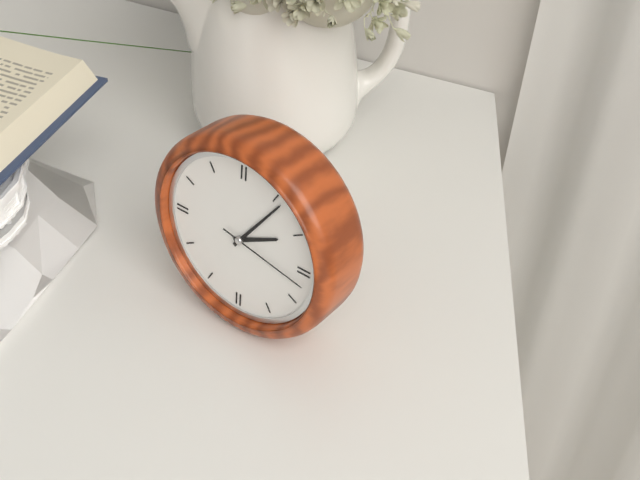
2:06:17
